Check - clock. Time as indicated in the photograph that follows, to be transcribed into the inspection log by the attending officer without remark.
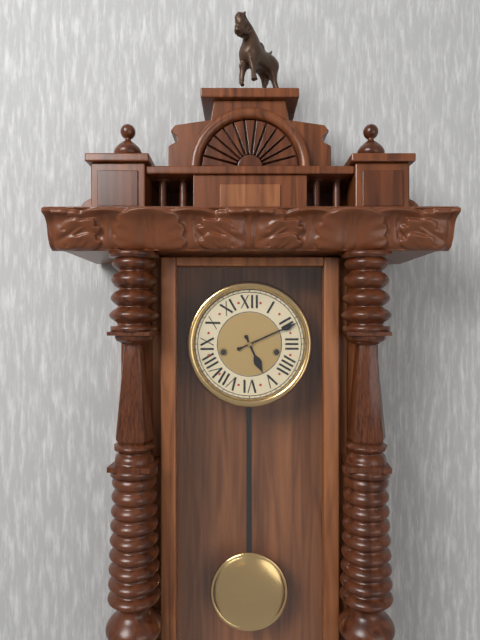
5:11
